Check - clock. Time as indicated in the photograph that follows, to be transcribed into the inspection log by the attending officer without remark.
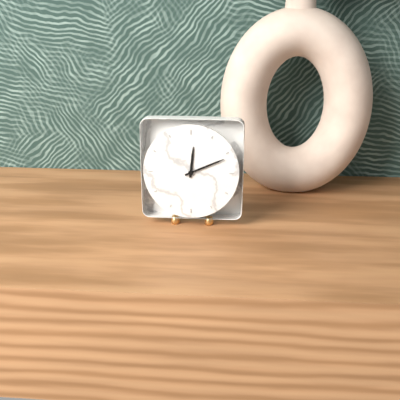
12:11
